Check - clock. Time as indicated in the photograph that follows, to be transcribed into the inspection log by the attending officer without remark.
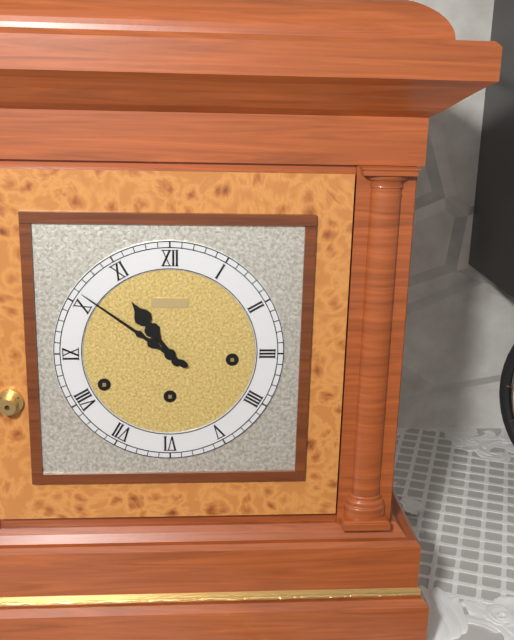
10:51
